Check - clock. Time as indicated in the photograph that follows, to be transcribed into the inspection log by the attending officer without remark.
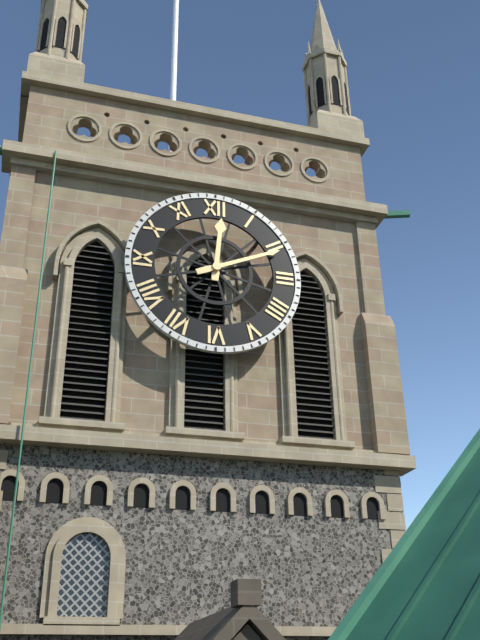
12:11
